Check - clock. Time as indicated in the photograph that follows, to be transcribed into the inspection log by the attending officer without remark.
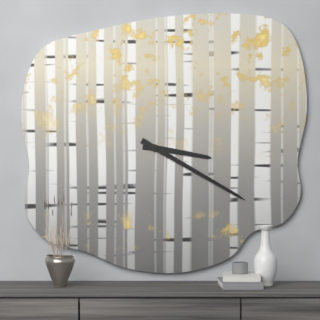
3:20
